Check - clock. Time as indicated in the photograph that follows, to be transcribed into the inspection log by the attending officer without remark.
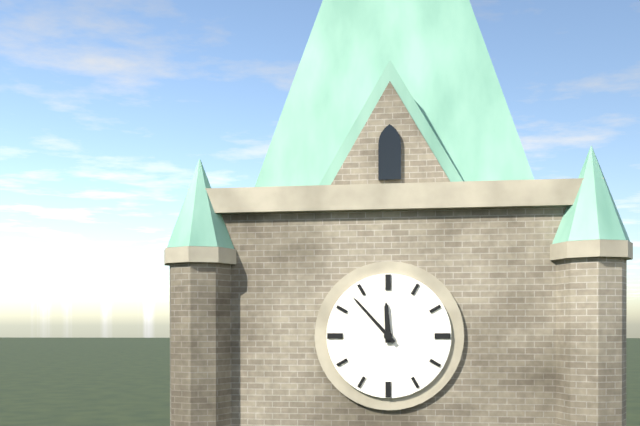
11:53
